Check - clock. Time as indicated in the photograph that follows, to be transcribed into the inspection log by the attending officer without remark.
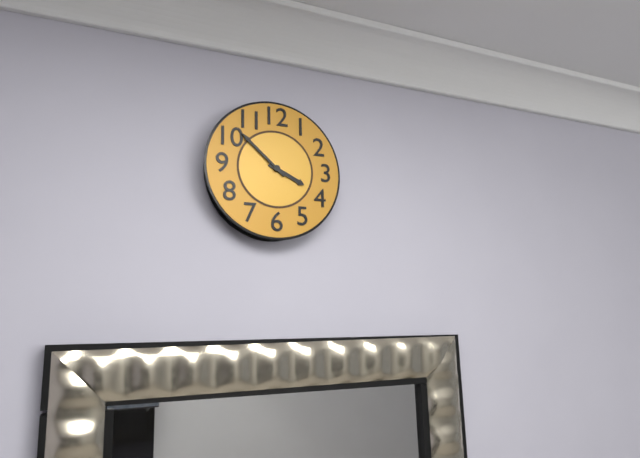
3:52
